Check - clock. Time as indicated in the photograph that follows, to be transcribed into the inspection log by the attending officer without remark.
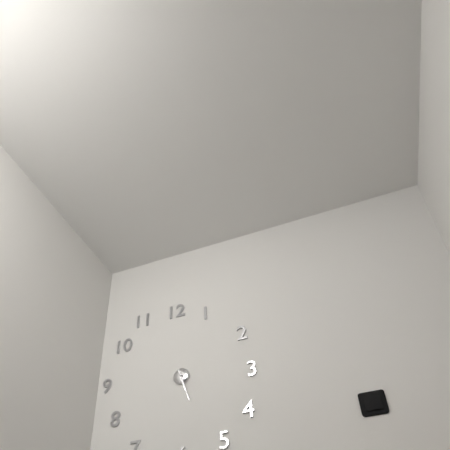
5:27
